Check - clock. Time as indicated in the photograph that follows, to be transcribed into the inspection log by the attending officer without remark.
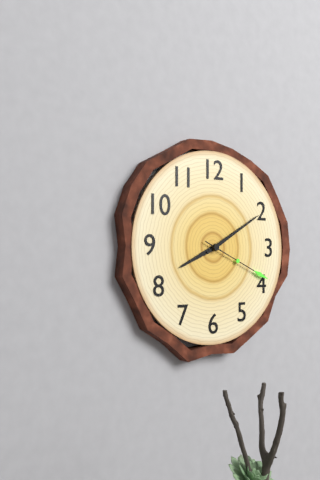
8:10:19
